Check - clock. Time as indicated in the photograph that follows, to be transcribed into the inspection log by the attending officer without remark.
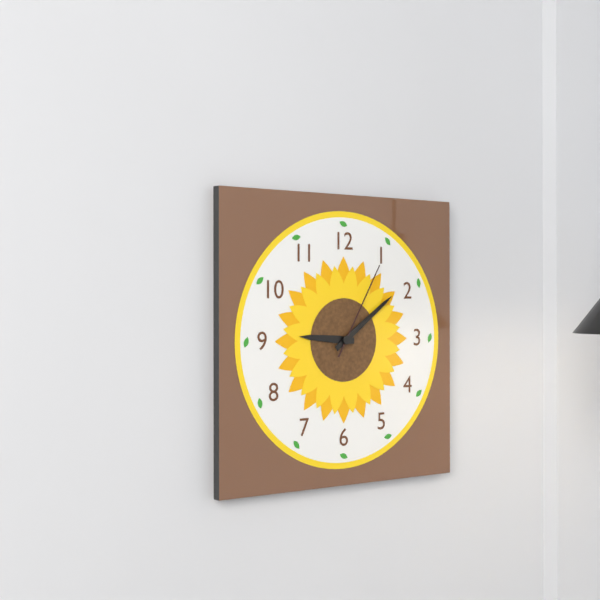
9:09:05
